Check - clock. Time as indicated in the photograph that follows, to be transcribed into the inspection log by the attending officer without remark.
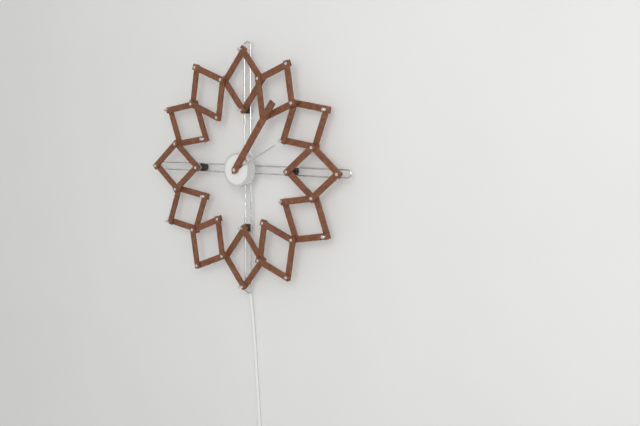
2:06
